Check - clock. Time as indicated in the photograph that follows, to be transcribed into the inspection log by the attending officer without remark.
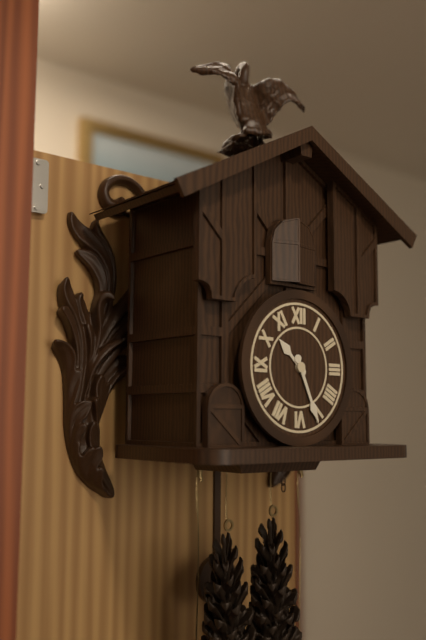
10:26
